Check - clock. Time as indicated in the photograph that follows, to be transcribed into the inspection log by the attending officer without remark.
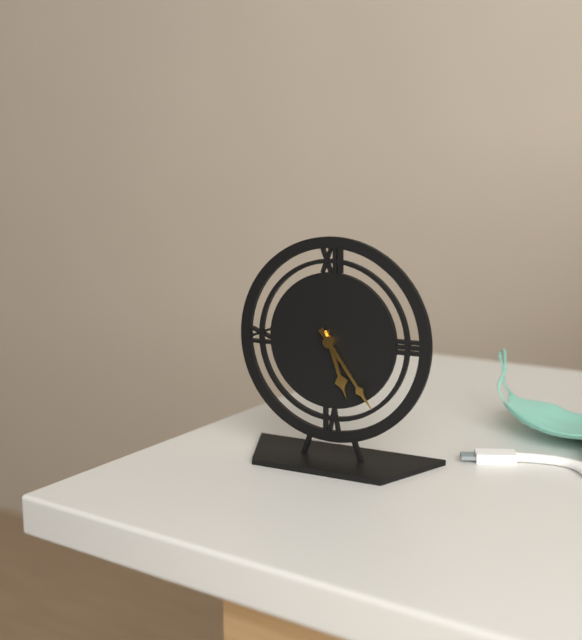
5:24
